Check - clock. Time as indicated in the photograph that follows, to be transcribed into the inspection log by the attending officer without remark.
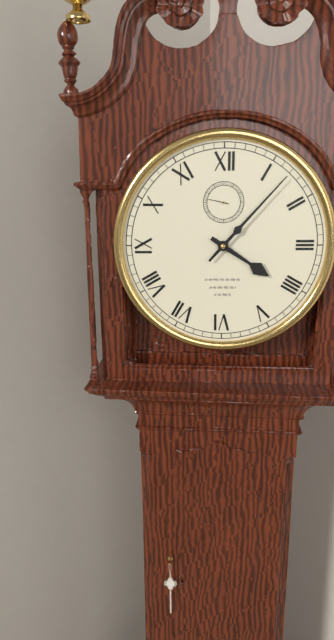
4:07
